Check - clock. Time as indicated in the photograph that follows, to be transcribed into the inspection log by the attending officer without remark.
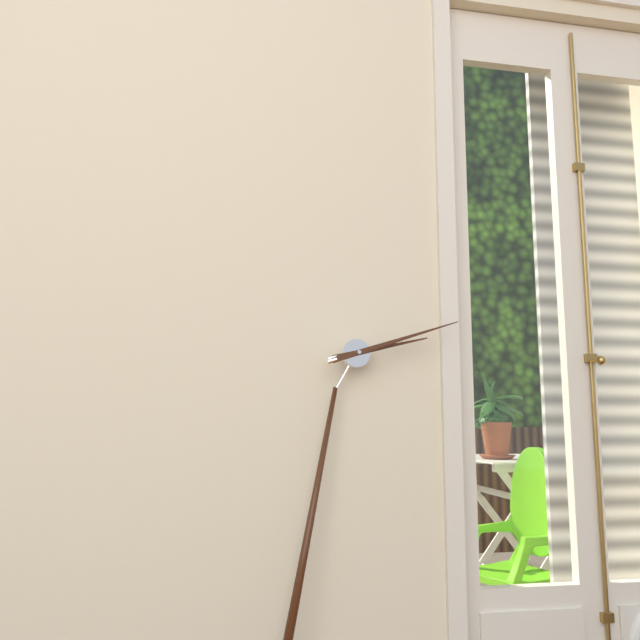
2:10
